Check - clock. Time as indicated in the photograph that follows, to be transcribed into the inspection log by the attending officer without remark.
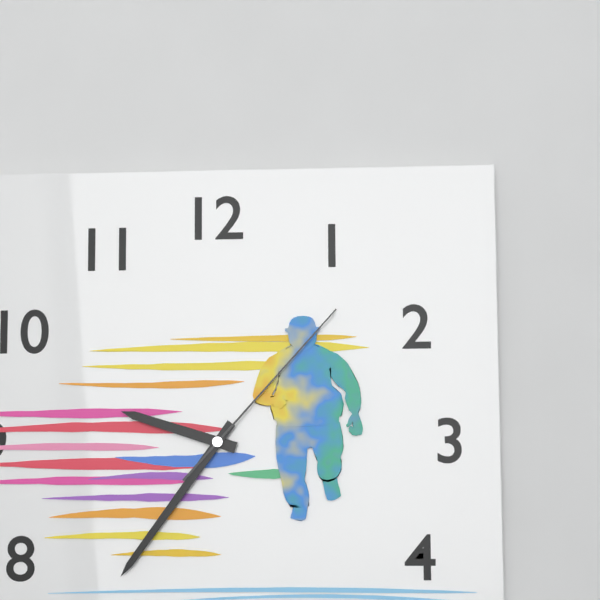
9:36:07
